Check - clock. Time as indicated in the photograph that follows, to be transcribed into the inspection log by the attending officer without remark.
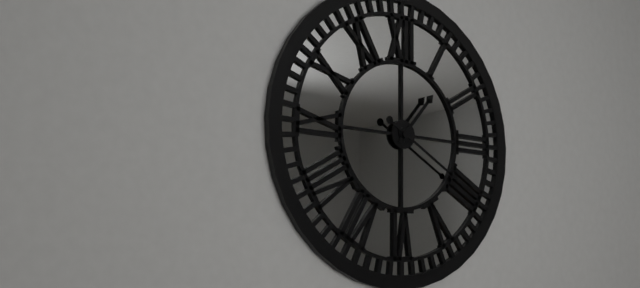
1:20
